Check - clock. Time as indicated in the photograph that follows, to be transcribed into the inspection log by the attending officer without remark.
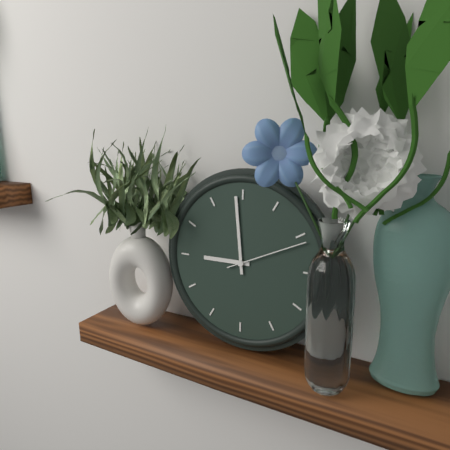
8:59:11
